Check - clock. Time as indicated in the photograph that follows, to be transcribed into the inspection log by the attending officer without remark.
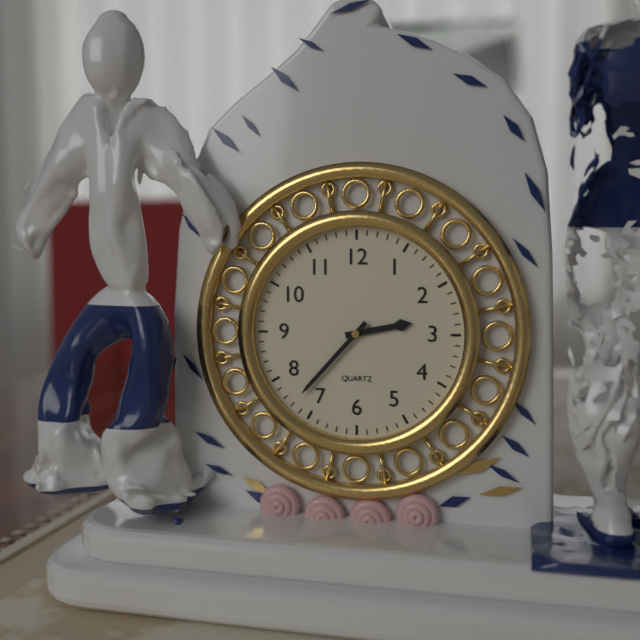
2:37
